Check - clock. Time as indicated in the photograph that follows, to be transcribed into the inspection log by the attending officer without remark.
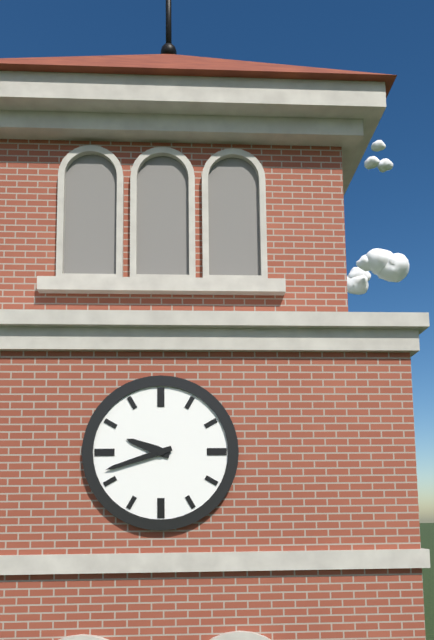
9:42
